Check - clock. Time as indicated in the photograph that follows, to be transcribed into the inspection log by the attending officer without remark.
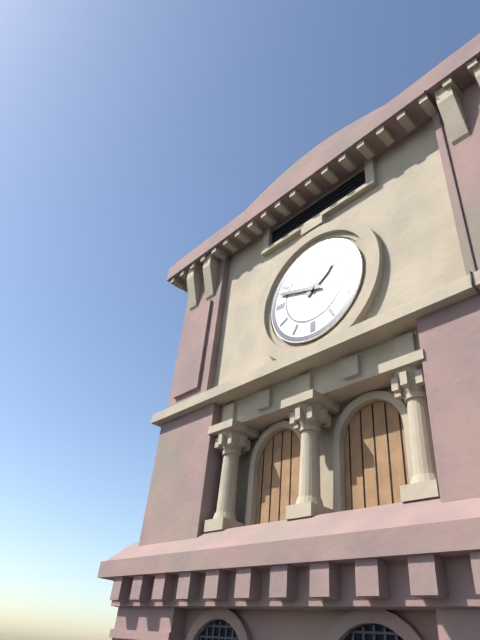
1:48
